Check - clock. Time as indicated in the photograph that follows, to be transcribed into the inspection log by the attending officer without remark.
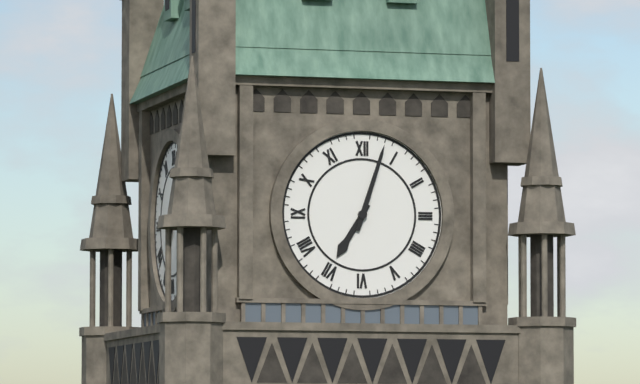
7:03
